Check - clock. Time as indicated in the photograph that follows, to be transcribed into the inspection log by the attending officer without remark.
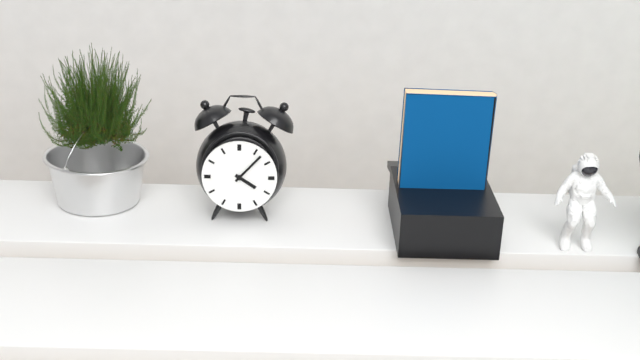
4:07
